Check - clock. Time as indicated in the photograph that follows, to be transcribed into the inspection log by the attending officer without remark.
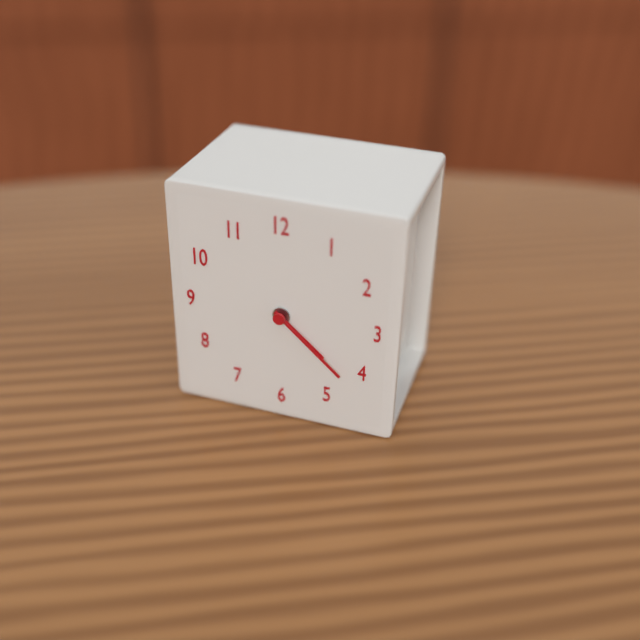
4:22
